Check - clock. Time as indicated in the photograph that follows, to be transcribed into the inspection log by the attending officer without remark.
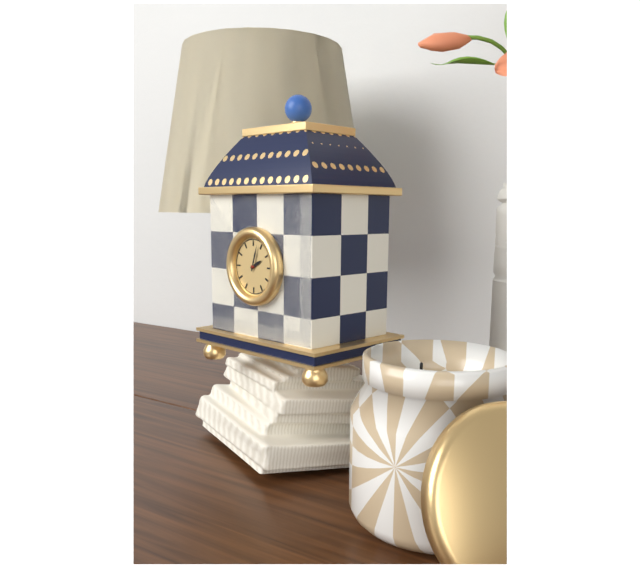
2:03
